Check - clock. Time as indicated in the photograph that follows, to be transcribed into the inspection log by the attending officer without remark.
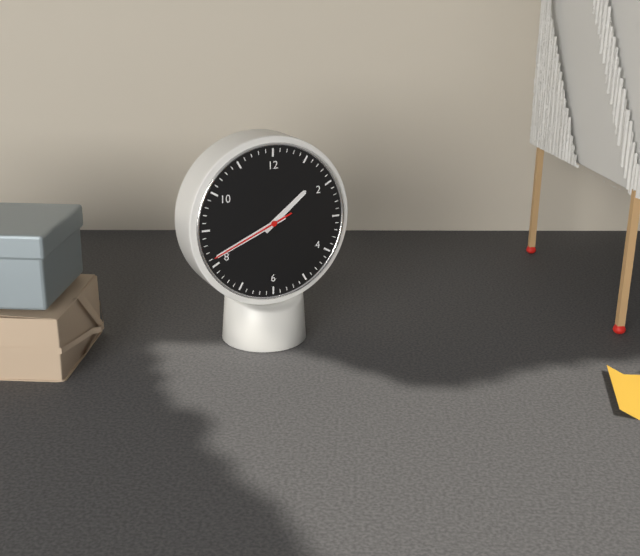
1:41:41
